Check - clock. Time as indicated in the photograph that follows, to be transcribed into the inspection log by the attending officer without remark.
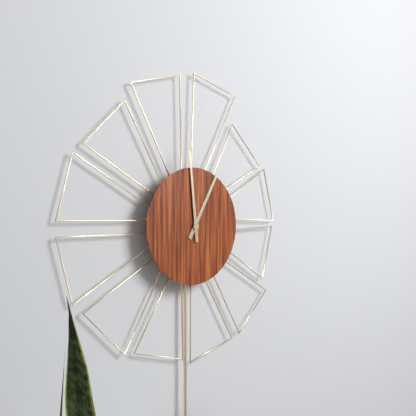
12:59
